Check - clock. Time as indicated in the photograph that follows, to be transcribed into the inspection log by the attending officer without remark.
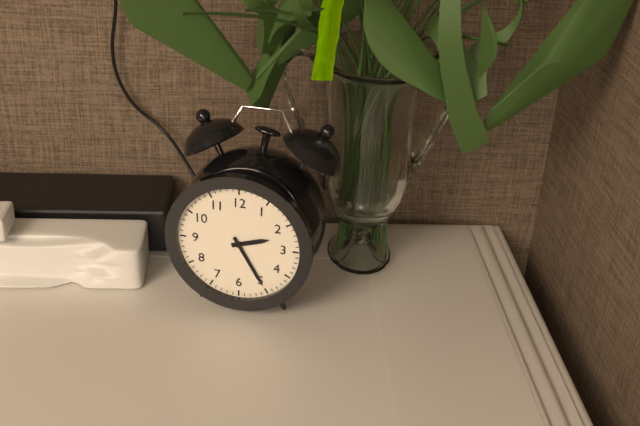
2:25
